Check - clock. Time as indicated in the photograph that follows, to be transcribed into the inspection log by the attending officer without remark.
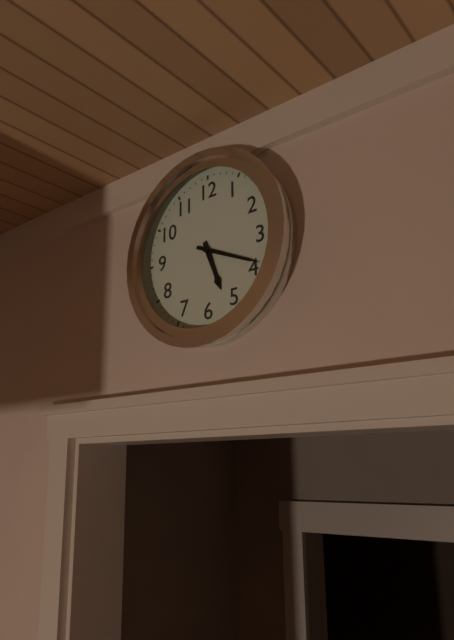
5:19
